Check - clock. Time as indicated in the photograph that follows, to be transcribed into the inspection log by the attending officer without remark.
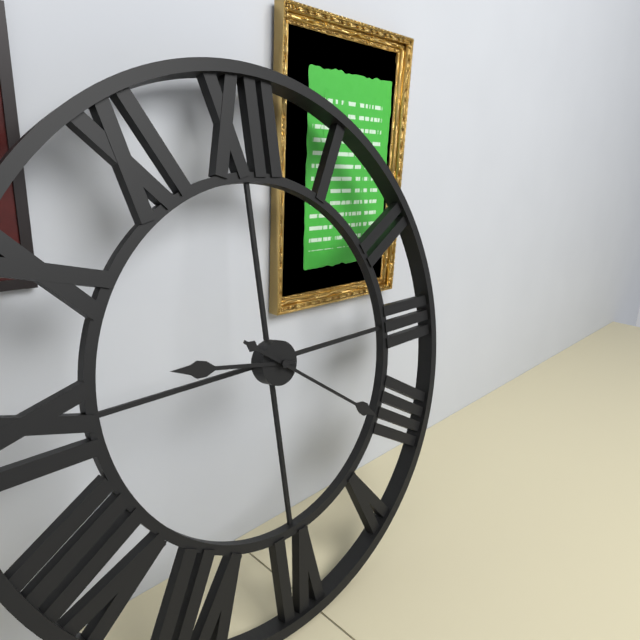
9:21
